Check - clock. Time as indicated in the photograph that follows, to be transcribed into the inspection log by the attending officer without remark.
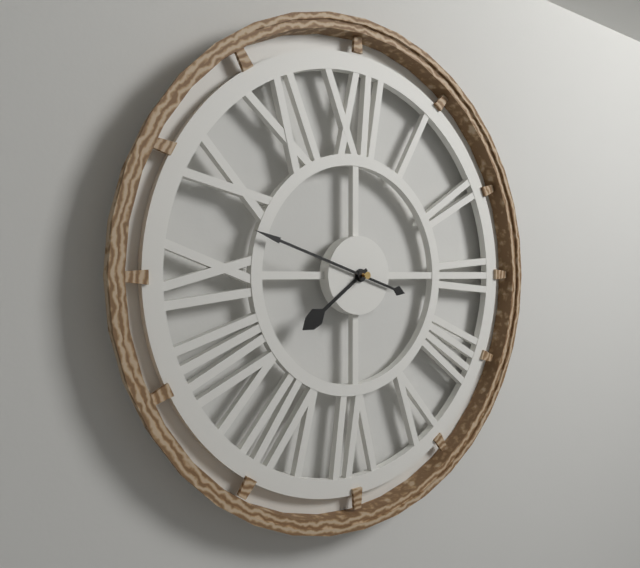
7:48
